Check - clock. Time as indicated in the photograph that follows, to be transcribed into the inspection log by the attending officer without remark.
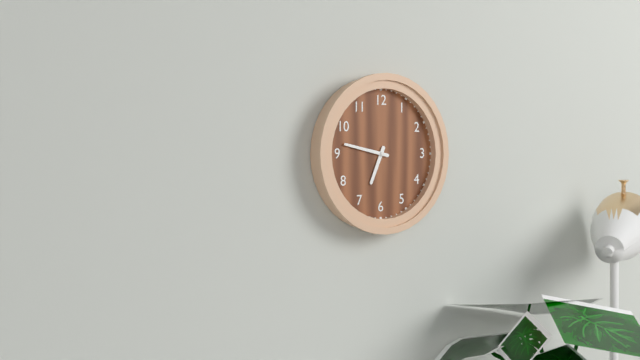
6:47
